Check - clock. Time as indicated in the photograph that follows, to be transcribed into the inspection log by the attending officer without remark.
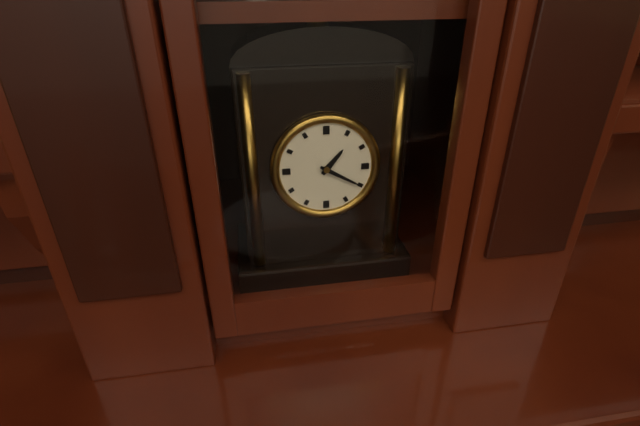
1:20
